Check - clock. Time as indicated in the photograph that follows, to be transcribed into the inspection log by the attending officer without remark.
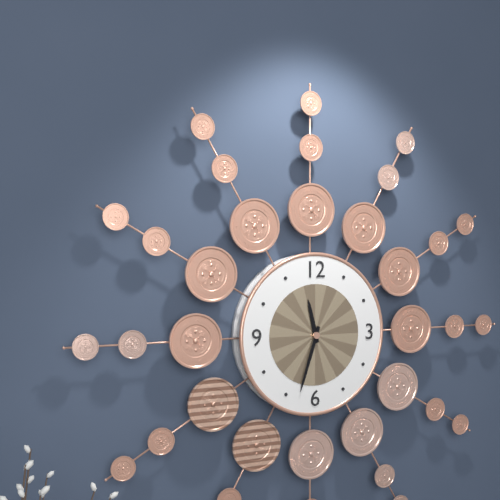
11:33
